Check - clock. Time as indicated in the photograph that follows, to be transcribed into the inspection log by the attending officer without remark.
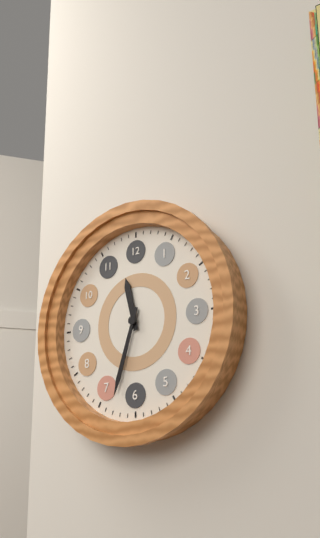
11:33
